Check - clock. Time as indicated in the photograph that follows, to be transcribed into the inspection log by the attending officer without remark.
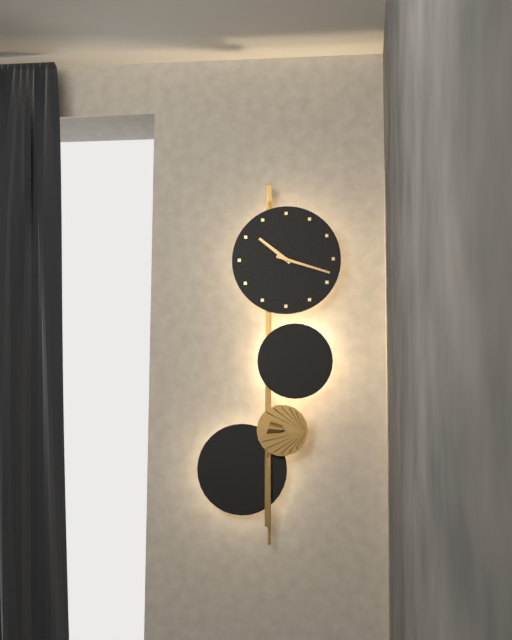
10:18
